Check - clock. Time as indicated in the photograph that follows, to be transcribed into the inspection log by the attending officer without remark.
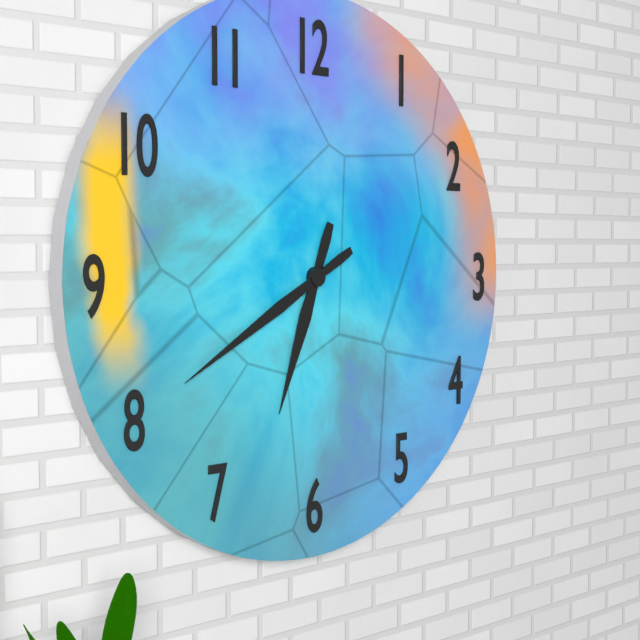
6:40
